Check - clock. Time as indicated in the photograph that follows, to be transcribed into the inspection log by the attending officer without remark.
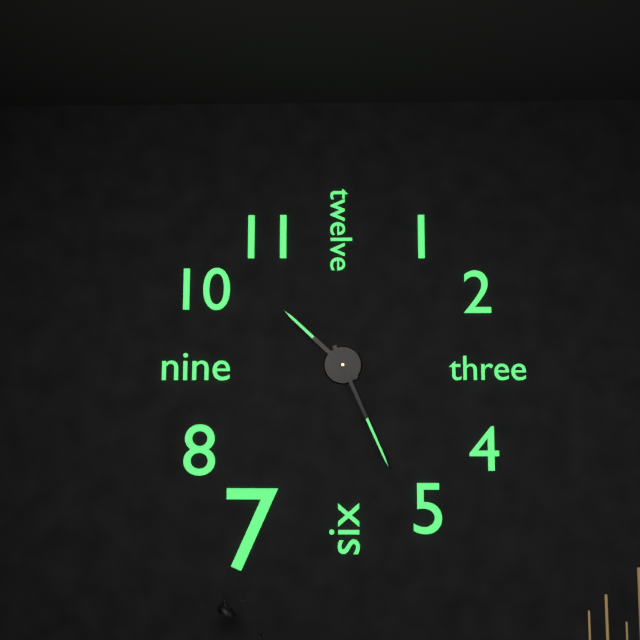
10:26
